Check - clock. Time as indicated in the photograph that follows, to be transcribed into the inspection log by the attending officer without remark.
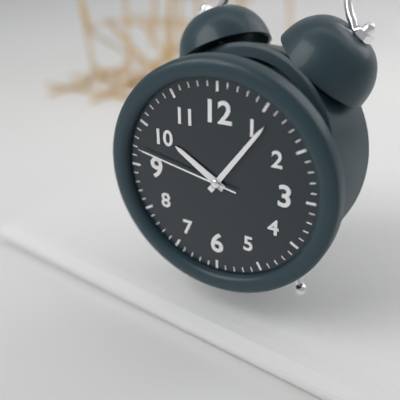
10:06:47
